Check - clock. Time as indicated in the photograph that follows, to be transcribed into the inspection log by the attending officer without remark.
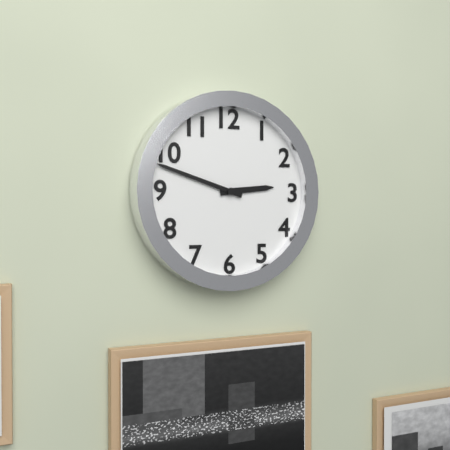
2:48
